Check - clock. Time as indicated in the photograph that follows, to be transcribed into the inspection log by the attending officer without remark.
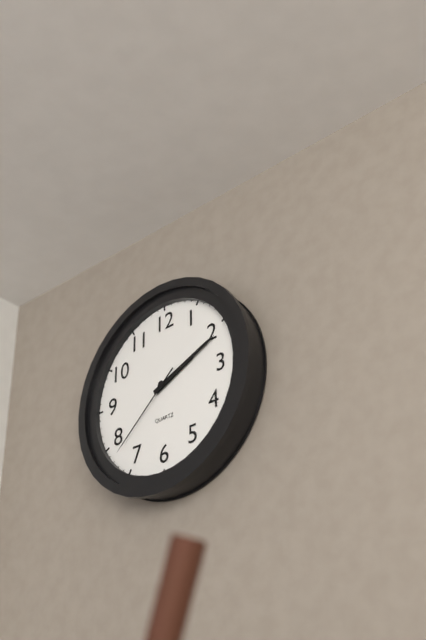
2:11:38
